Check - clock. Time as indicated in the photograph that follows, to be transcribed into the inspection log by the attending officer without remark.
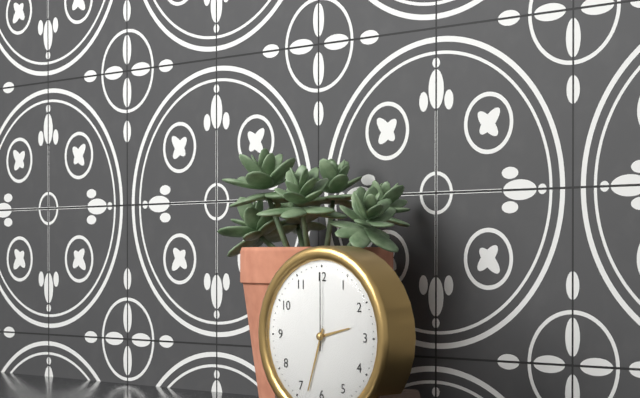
2:33:00
